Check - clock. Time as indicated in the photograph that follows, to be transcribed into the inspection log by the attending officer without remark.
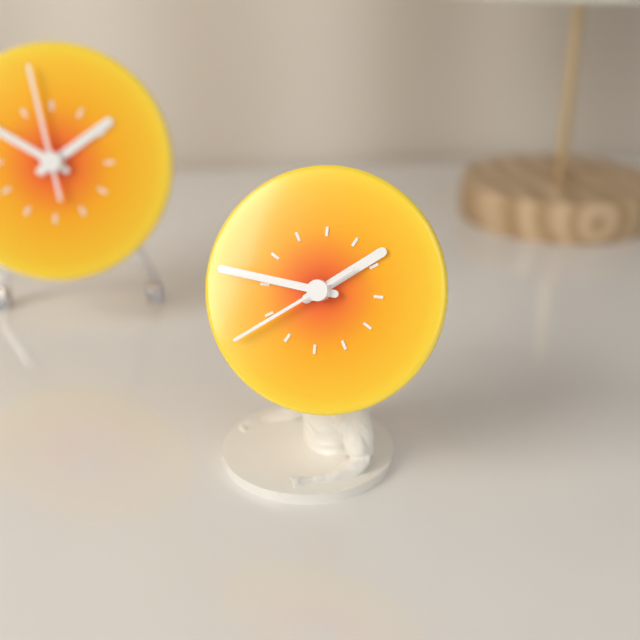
1:46:39
